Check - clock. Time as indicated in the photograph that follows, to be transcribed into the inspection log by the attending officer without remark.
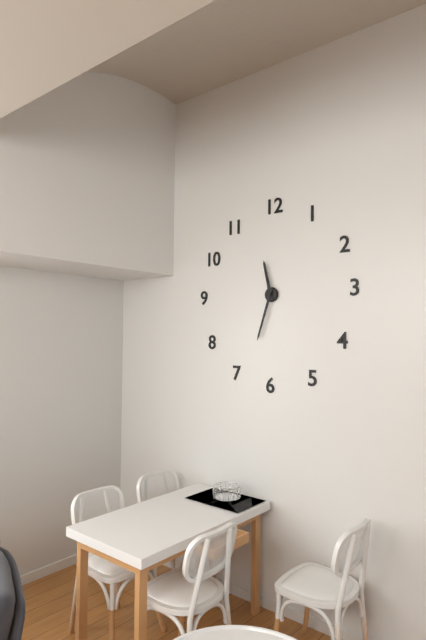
11:33
